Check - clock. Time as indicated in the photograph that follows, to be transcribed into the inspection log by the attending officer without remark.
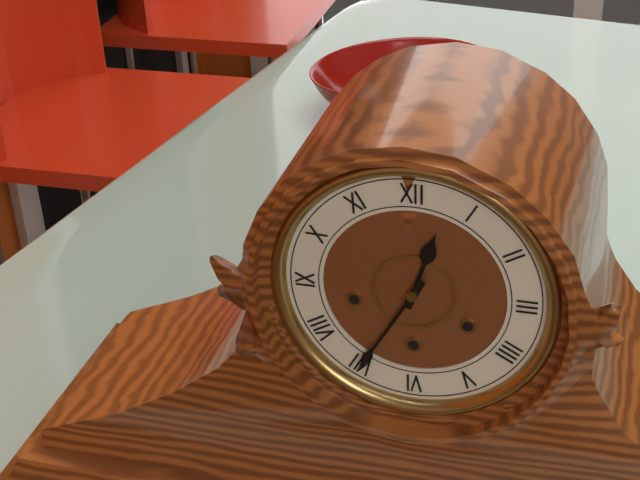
12:35
